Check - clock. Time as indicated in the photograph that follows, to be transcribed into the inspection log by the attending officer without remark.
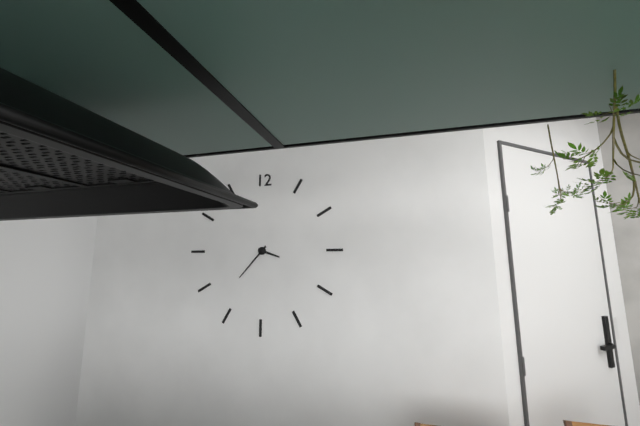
3:37
